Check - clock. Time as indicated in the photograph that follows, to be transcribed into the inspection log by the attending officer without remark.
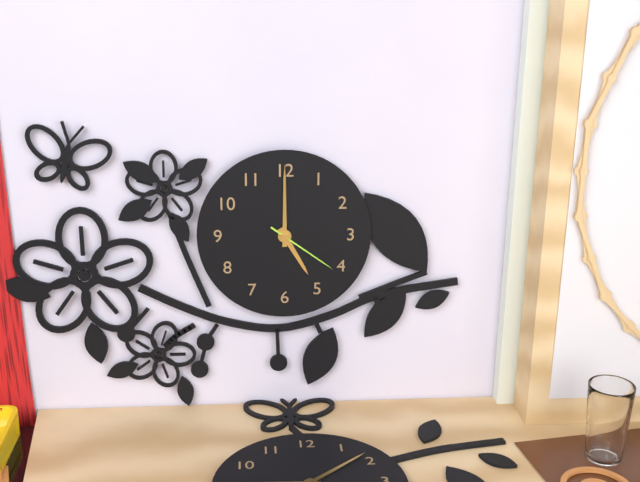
5:00:21
